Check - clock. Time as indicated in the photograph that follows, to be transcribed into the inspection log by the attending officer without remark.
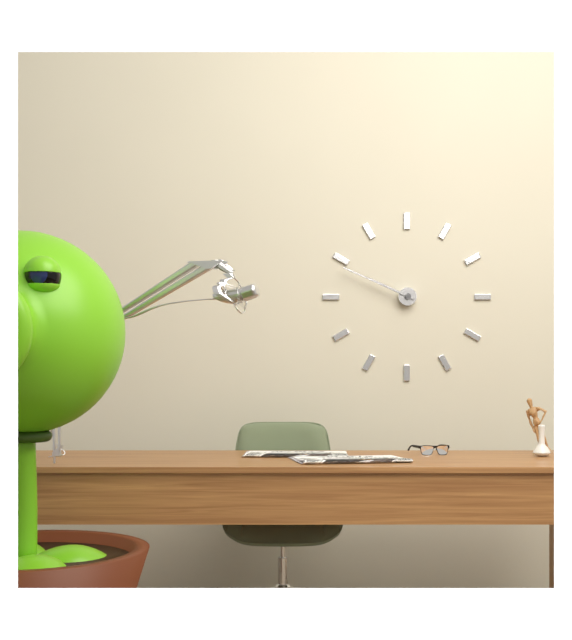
9:49
